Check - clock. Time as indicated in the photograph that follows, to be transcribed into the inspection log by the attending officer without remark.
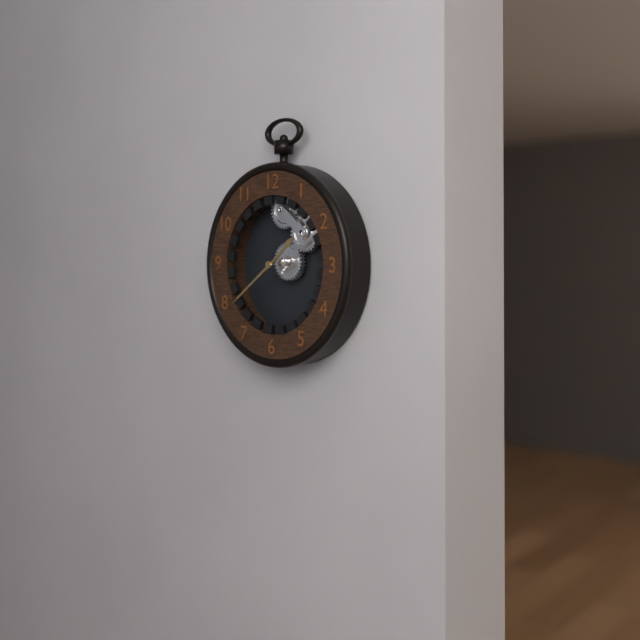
1:39
